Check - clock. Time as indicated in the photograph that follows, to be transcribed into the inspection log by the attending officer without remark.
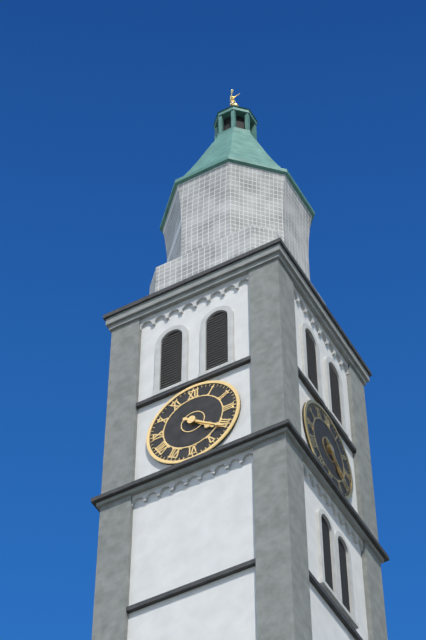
4:21
